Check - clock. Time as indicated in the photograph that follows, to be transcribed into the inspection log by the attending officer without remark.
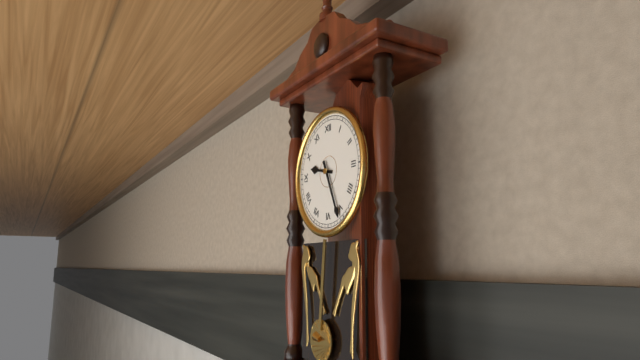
9:26
